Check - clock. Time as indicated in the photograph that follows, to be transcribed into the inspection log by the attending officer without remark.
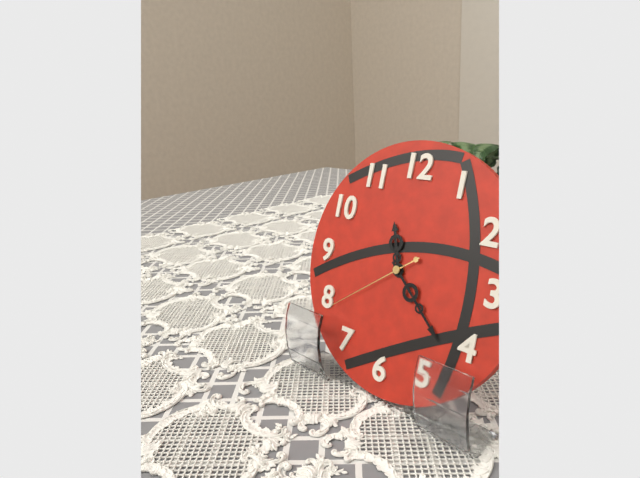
11:22:39
